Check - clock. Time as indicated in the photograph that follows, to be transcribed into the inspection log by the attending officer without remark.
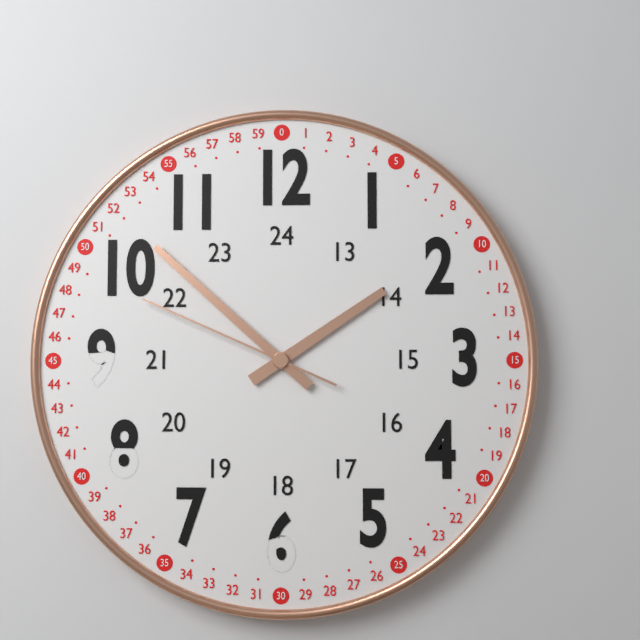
1:52:49
